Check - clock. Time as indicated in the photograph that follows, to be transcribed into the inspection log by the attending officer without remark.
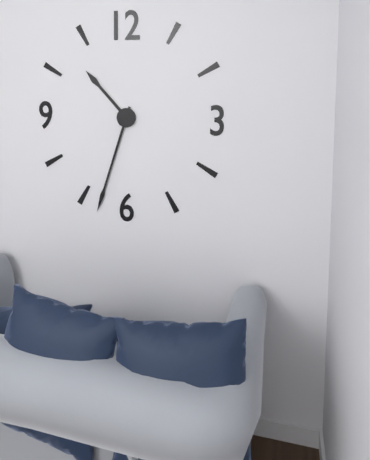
10:33
